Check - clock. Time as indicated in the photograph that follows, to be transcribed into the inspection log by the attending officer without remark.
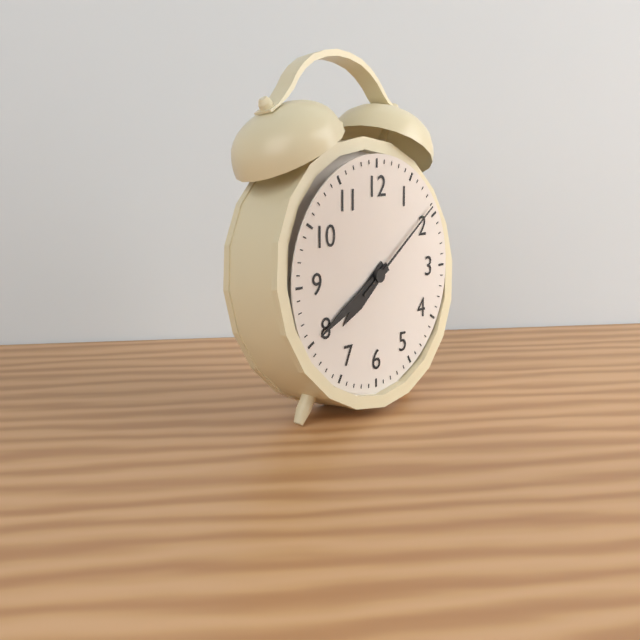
7:40:09
